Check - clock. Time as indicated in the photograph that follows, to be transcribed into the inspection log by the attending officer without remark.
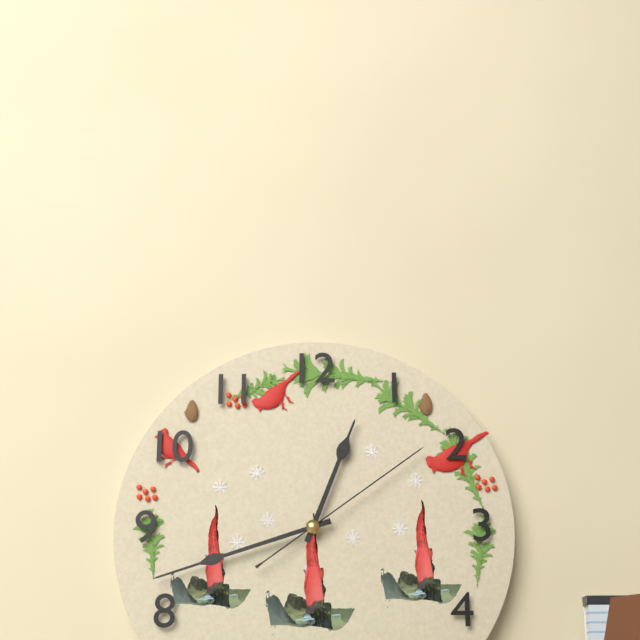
12:42:09
